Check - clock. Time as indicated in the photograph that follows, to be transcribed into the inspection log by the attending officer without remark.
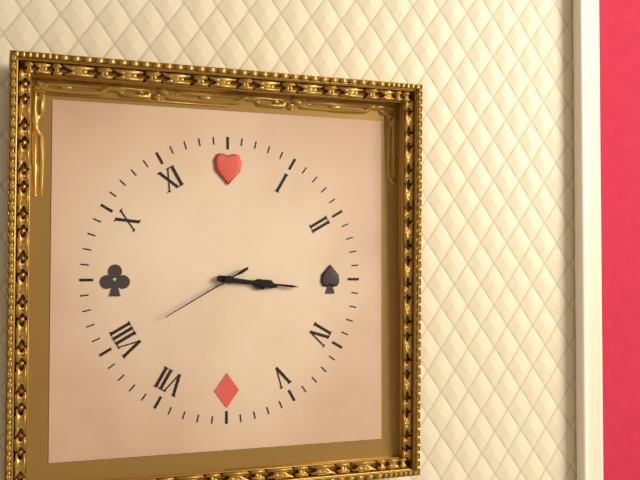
3:16:40
